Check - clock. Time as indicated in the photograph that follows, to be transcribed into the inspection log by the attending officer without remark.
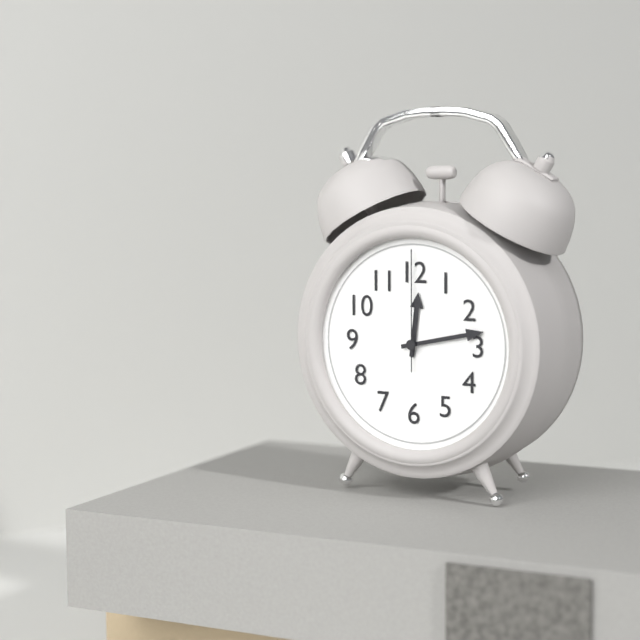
12:13:00
